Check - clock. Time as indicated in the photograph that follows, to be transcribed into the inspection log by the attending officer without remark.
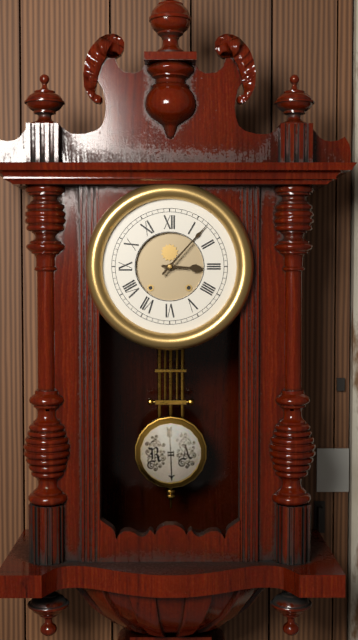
3:07
